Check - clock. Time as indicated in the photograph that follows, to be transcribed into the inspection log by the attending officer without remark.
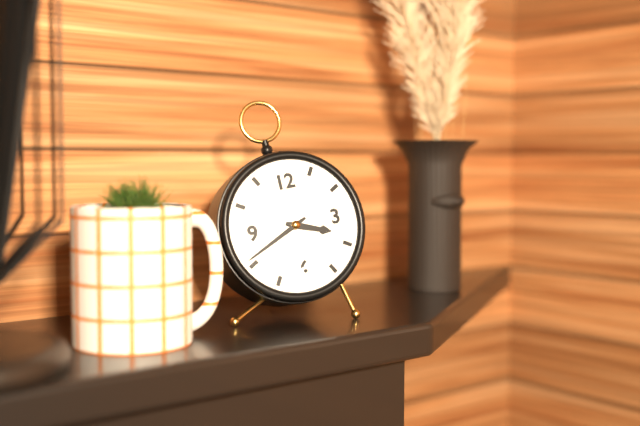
3:41
